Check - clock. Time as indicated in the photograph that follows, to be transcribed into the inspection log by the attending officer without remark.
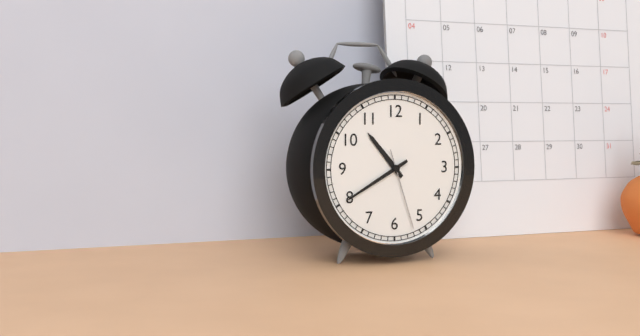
10:40:27
